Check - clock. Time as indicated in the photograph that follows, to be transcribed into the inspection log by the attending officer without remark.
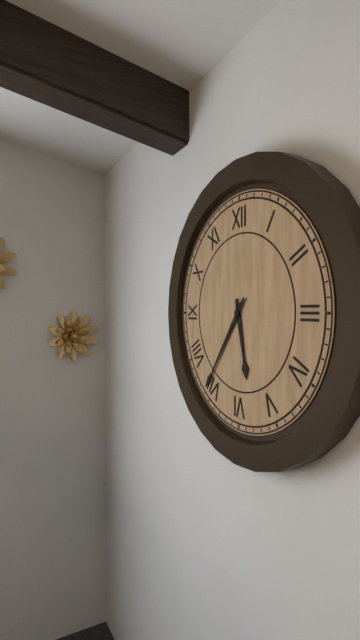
5:36
